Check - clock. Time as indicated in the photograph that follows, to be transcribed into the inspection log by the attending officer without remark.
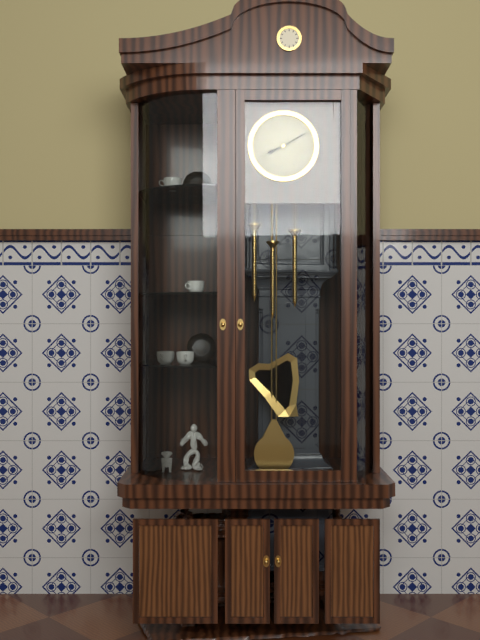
8:10
